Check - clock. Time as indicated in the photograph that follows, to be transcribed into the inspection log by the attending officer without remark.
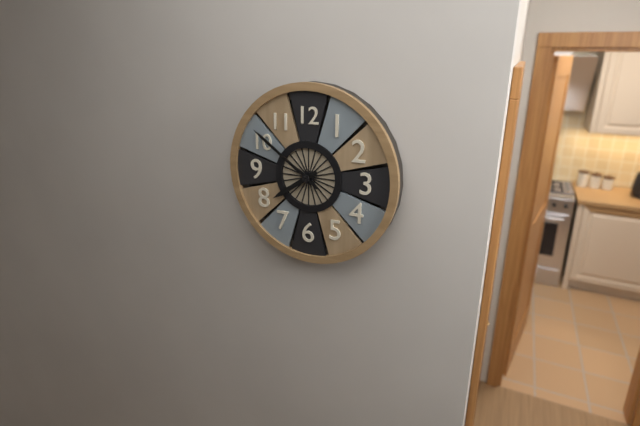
7:51
